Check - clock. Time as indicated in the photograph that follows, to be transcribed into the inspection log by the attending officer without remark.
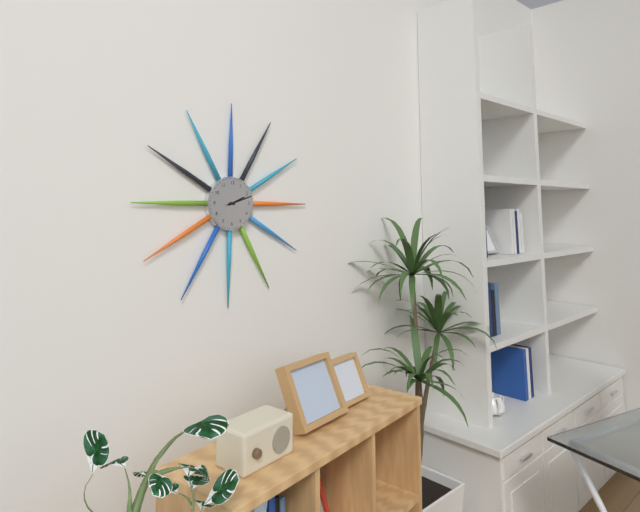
2:12
